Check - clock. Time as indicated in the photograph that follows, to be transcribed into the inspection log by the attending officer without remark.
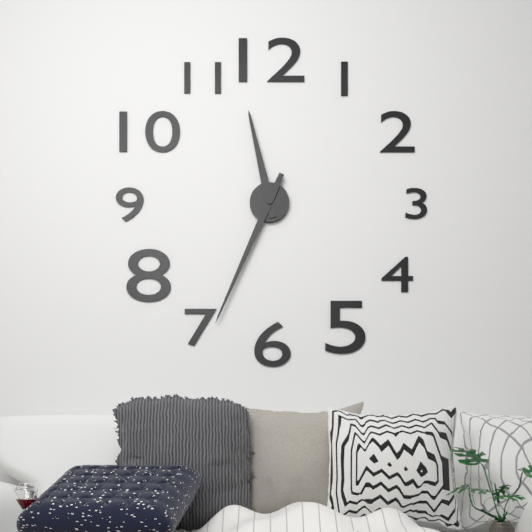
11:34
